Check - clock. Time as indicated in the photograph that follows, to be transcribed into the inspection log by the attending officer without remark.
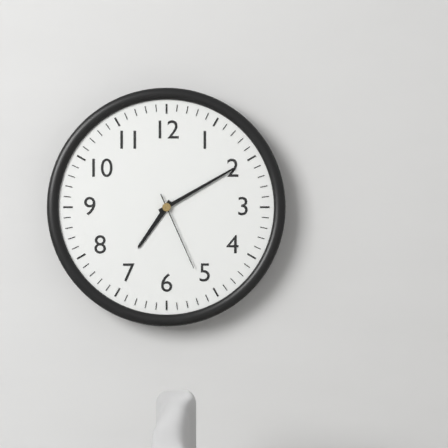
7:10:26
